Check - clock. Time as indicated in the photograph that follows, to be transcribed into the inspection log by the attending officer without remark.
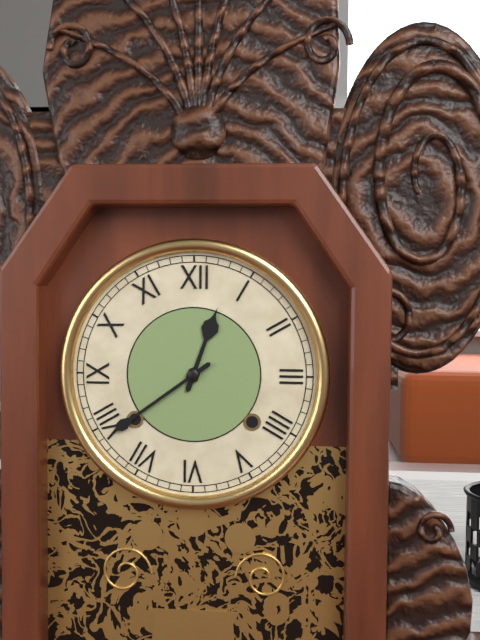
12:39
